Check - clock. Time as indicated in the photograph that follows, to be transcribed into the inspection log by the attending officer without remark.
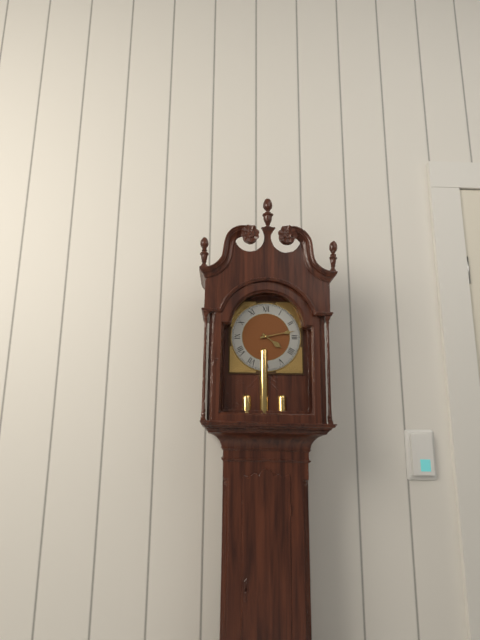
4:13
